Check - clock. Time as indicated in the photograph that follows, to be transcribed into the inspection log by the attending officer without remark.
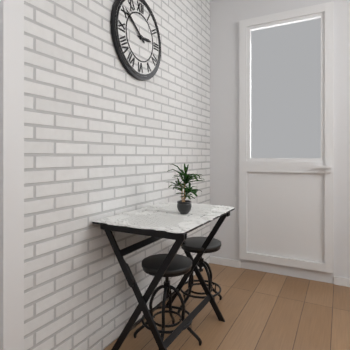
2:51
